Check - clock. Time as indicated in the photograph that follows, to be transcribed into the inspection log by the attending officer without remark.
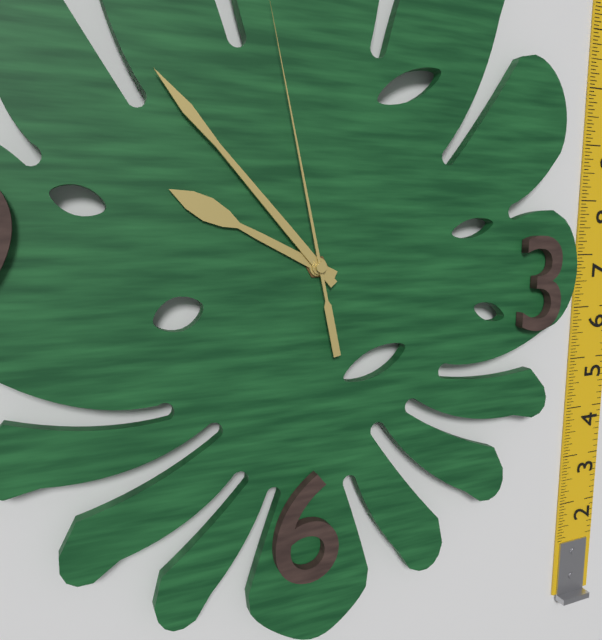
9:53
